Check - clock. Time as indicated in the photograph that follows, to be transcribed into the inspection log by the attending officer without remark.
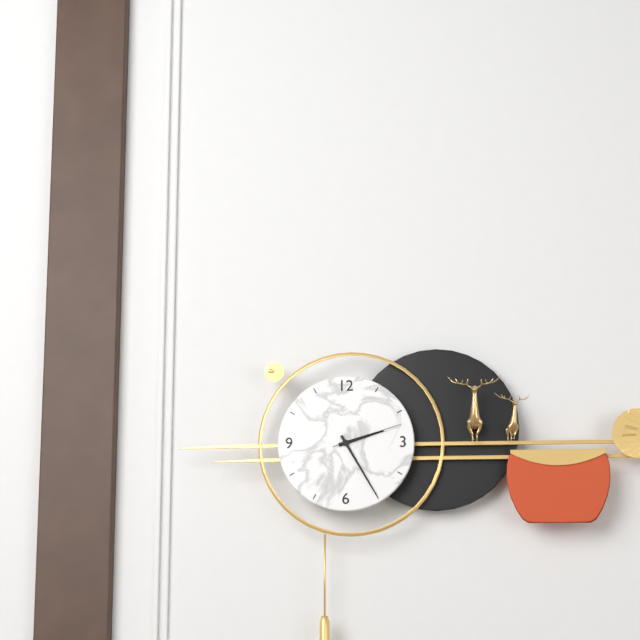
2:25:12
